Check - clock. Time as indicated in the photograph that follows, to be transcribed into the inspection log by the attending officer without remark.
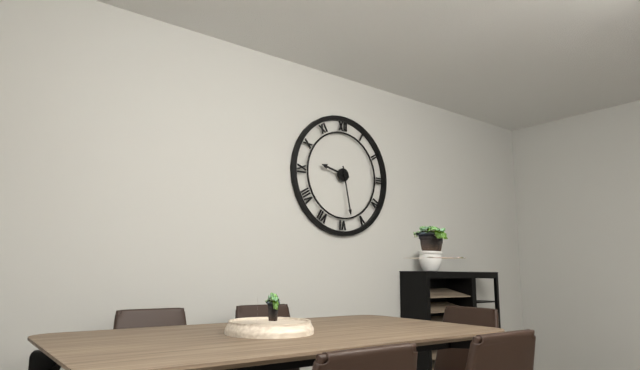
9:28
